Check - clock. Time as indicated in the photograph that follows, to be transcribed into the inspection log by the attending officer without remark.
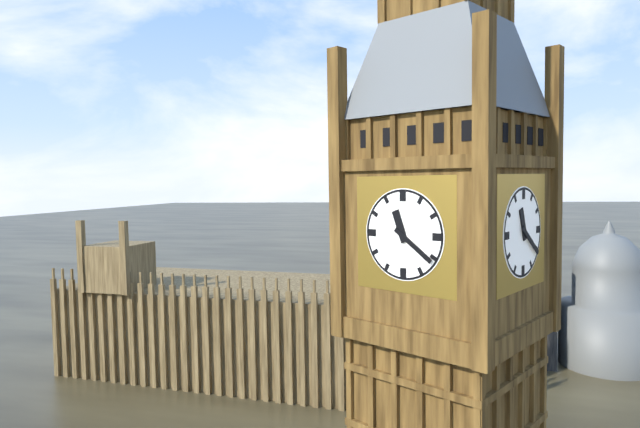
11:21
